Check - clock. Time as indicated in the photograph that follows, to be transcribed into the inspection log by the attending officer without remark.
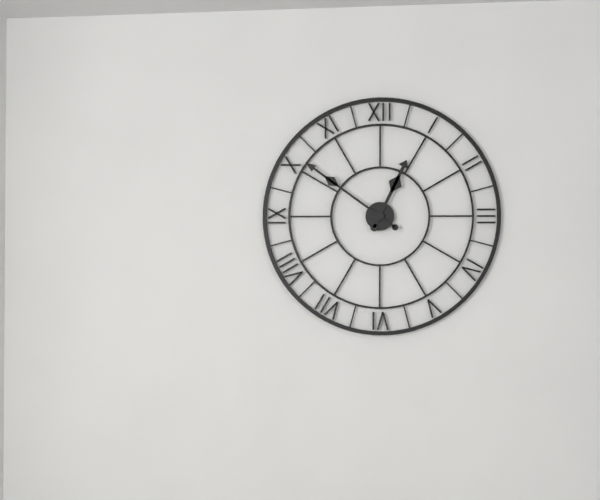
12:51
